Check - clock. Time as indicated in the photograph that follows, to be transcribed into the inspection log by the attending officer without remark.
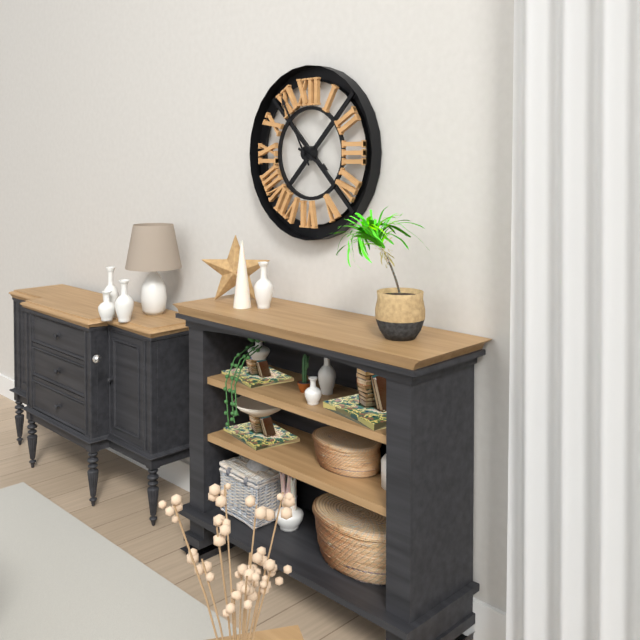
3:55
